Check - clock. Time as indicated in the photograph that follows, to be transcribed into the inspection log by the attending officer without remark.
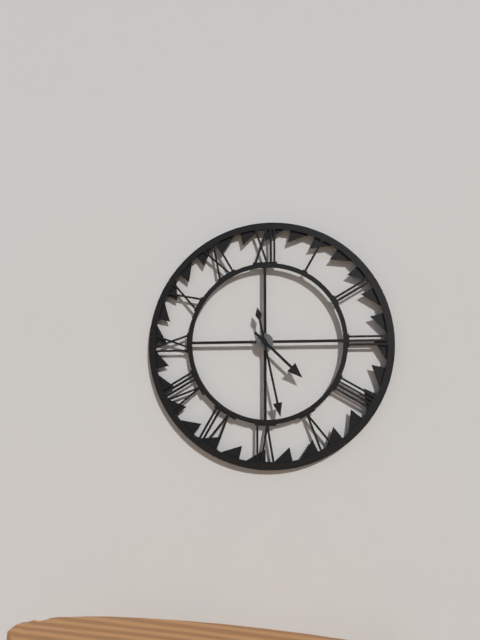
4:28
